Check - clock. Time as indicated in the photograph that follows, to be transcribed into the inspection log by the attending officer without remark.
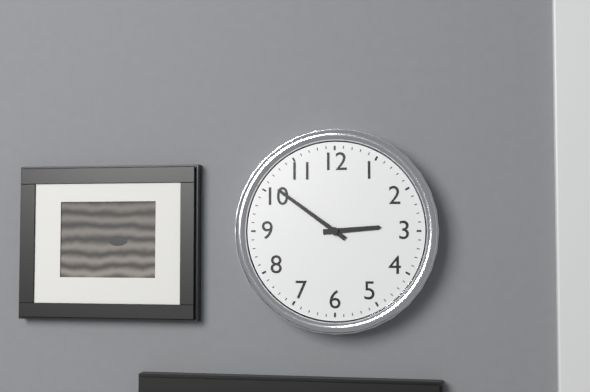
2:51
